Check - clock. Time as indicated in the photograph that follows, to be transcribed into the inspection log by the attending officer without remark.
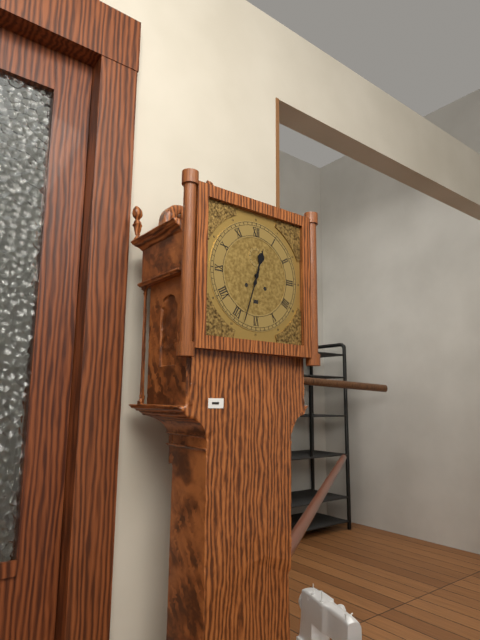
12:33
